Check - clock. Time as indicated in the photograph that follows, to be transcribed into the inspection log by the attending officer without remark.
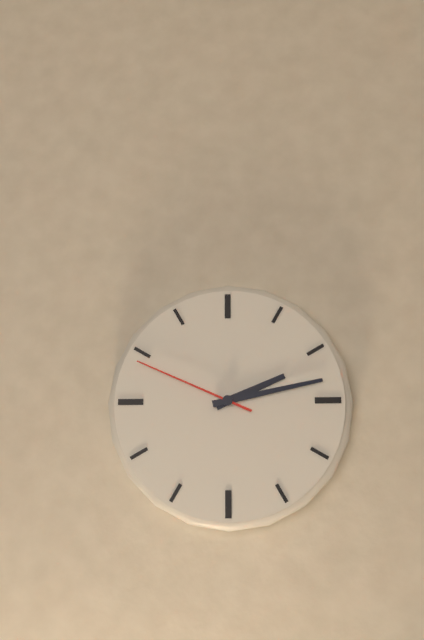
2:13:49
